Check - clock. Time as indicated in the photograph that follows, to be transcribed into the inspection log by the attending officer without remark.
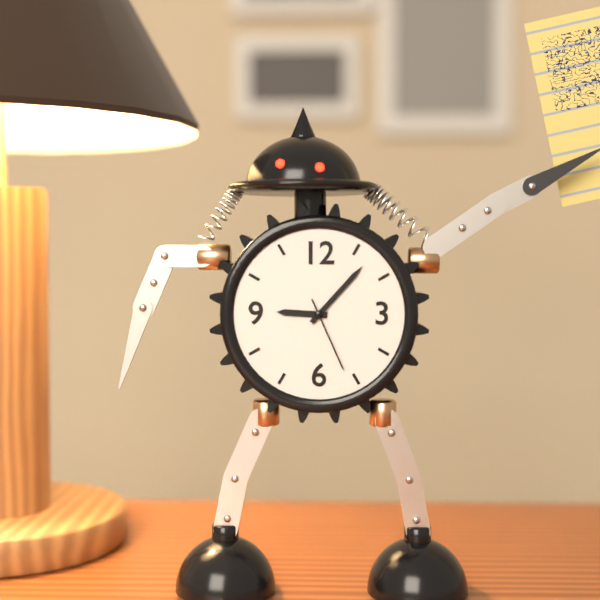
9:07:26
